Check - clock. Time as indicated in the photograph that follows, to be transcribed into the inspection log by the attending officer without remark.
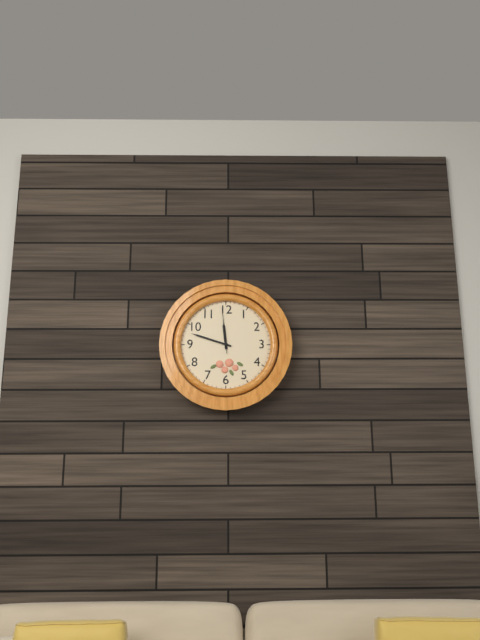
11:48
